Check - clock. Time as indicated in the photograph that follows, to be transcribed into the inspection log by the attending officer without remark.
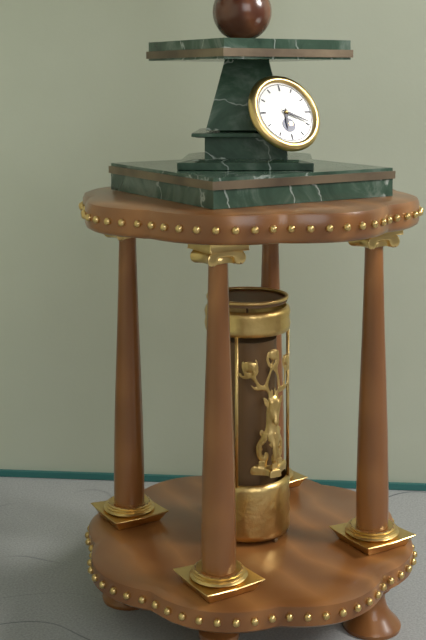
6:19
